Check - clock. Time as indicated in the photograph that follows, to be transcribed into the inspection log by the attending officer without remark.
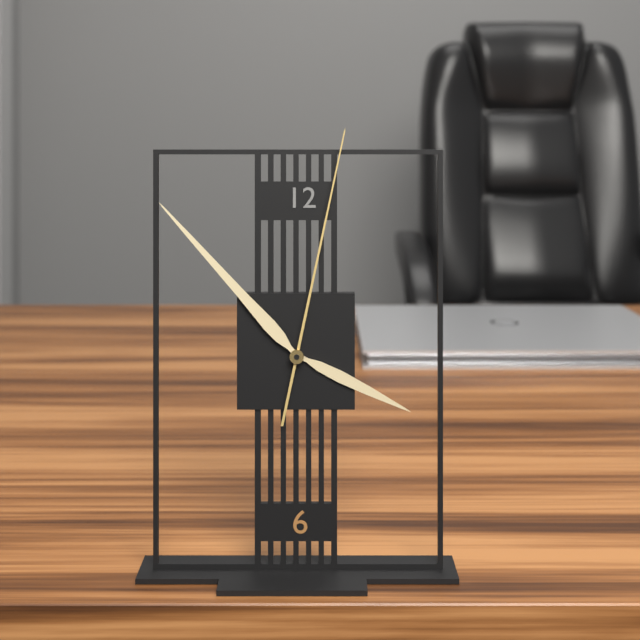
3:53:02
